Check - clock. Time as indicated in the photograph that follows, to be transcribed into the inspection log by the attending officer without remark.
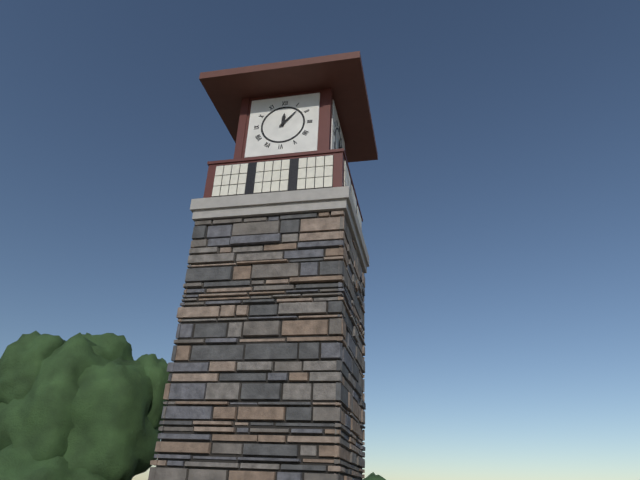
12:07
